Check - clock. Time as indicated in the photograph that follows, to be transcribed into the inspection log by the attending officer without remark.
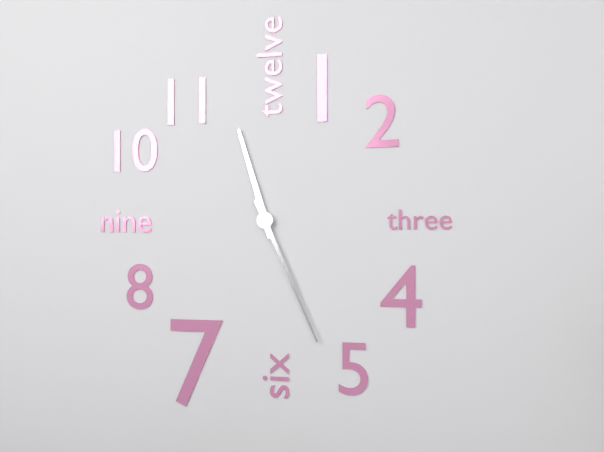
11:26
